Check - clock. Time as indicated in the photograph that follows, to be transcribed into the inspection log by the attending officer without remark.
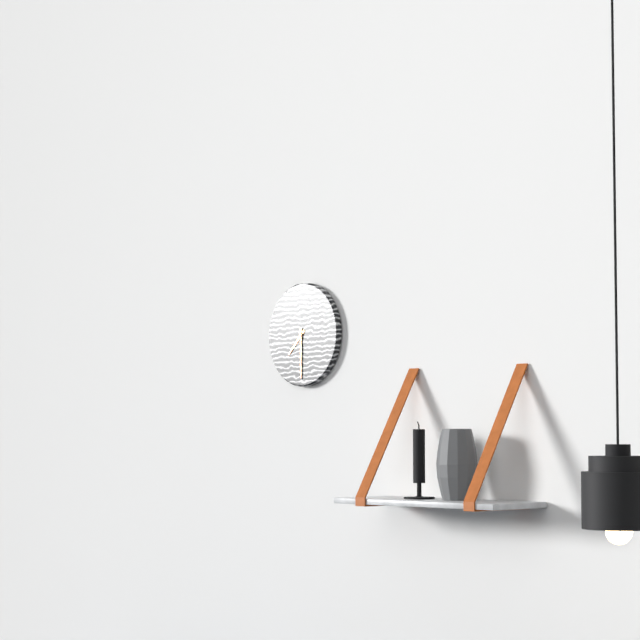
7:30
